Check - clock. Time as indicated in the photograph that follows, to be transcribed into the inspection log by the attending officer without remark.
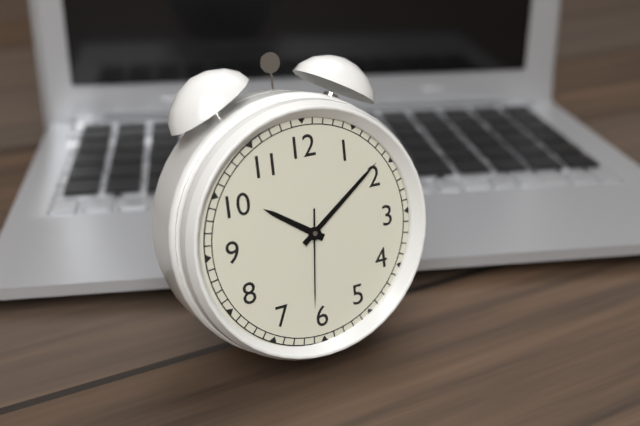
10:09:31
